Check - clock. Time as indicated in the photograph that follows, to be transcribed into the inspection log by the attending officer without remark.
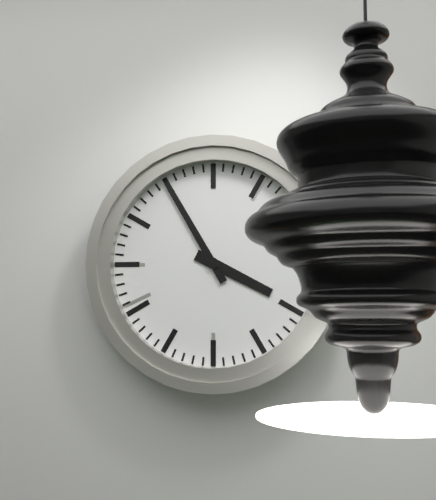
3:55
